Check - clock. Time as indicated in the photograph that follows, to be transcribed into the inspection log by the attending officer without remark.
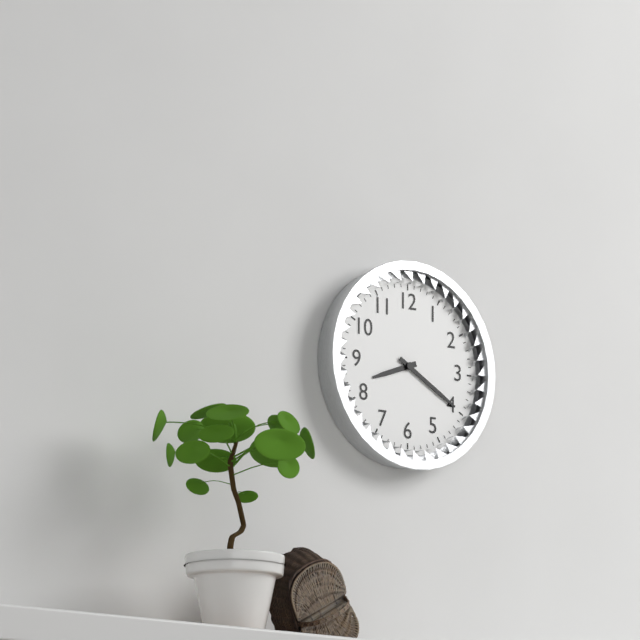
8:20
